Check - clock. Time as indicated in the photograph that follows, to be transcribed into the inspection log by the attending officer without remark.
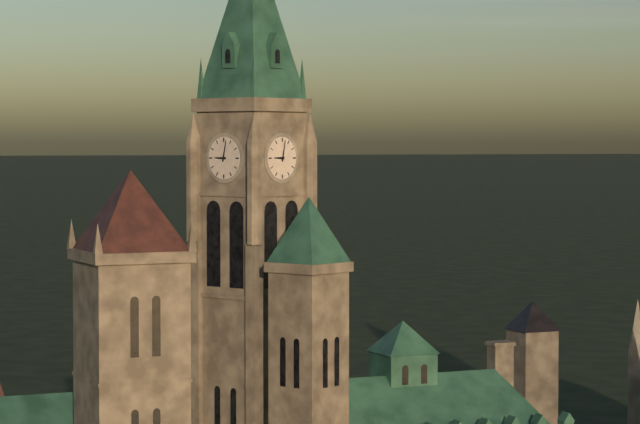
9:02
